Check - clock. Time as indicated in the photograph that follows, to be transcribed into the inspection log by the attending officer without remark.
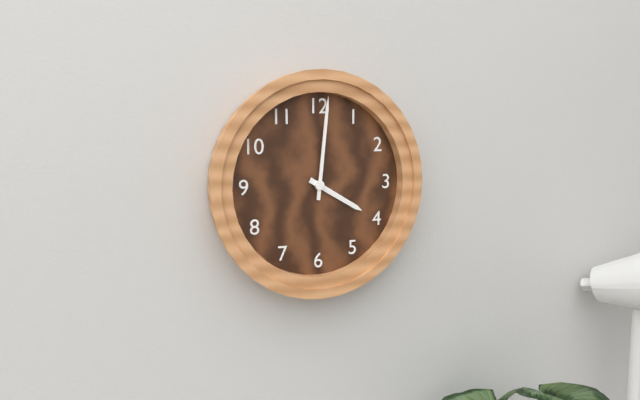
4:01
